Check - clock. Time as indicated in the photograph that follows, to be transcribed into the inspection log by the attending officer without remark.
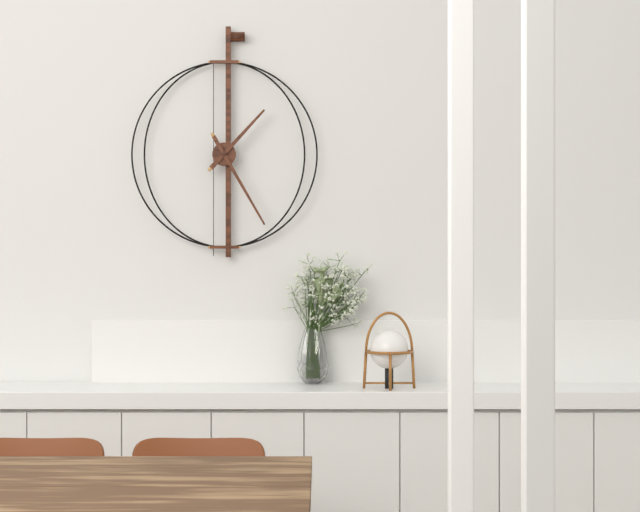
1:25
